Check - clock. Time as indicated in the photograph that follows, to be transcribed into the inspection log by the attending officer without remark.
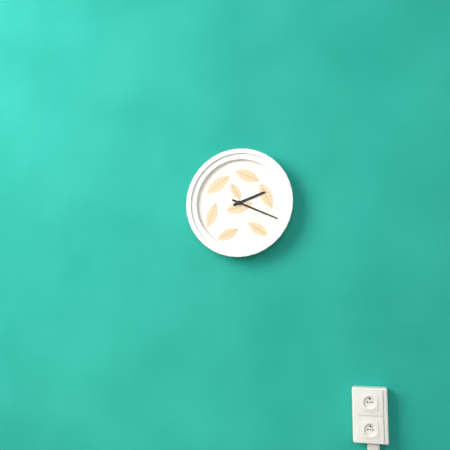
2:19
